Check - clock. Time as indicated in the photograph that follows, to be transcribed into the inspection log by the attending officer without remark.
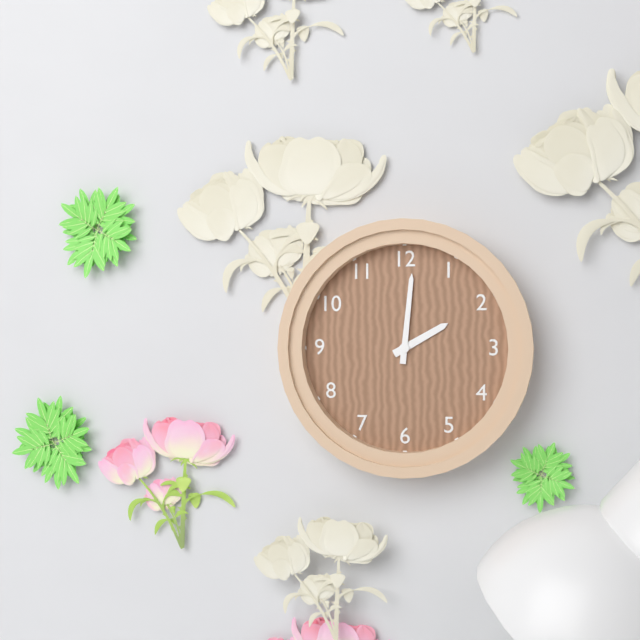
2:01
